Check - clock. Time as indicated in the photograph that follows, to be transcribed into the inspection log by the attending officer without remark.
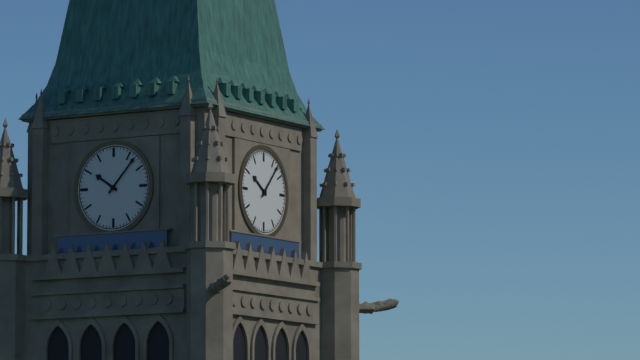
10:07
